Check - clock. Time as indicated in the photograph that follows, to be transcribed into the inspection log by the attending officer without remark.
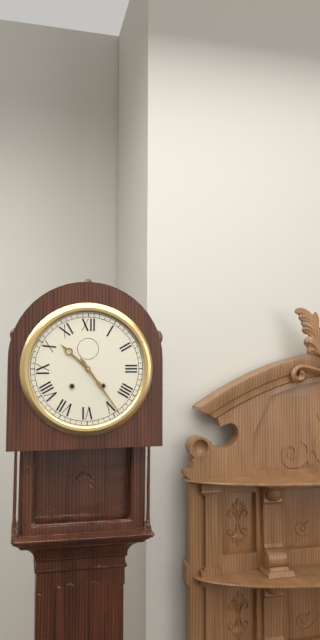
10:24
